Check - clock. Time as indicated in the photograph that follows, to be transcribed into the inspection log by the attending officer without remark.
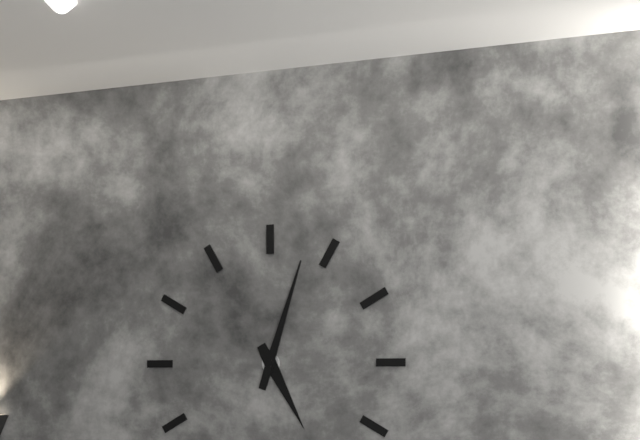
5:03
